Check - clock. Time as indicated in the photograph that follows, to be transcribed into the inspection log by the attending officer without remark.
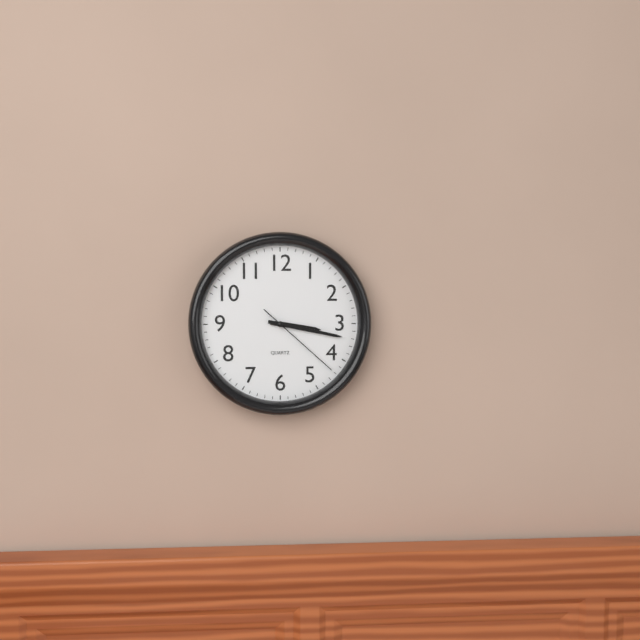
3:17:22
